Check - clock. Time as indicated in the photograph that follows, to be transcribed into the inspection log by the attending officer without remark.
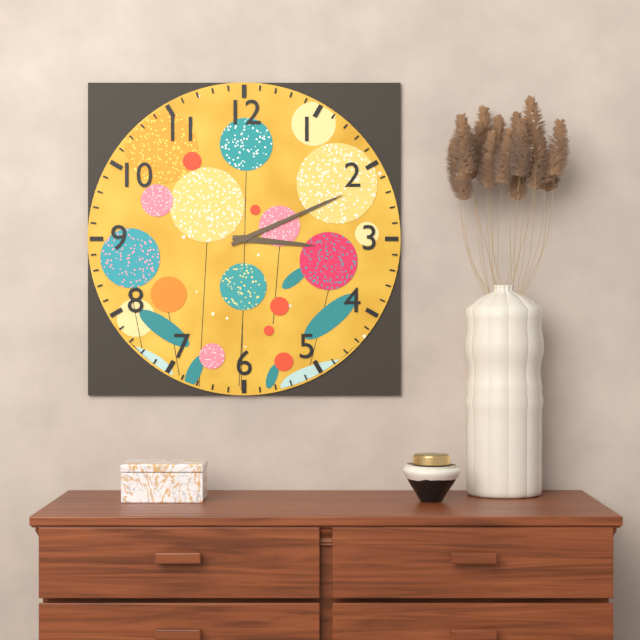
3:11
